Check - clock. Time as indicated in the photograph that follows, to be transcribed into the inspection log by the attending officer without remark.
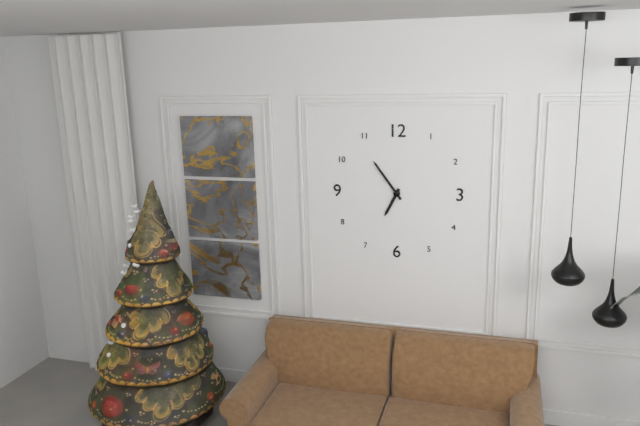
6:54
